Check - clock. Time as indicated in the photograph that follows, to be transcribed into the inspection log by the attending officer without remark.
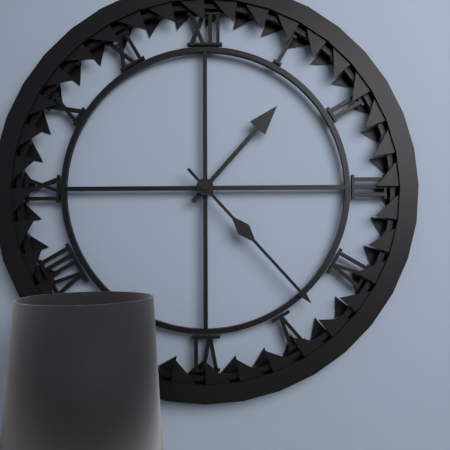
1:23
